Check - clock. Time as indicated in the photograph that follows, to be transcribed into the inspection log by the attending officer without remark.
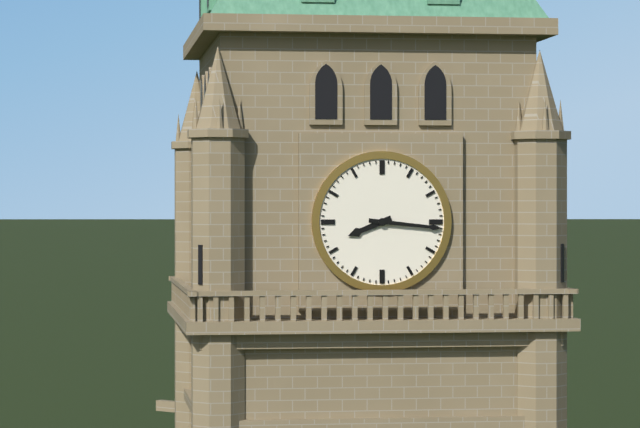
8:16
